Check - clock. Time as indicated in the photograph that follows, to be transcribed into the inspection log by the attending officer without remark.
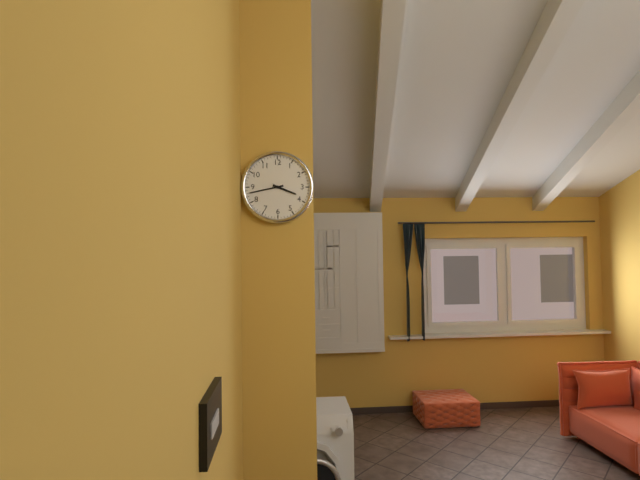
3:43
